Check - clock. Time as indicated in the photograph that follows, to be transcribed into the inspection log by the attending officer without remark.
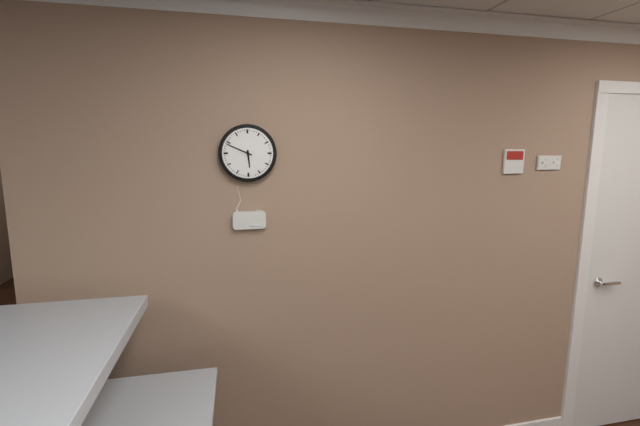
5:49
